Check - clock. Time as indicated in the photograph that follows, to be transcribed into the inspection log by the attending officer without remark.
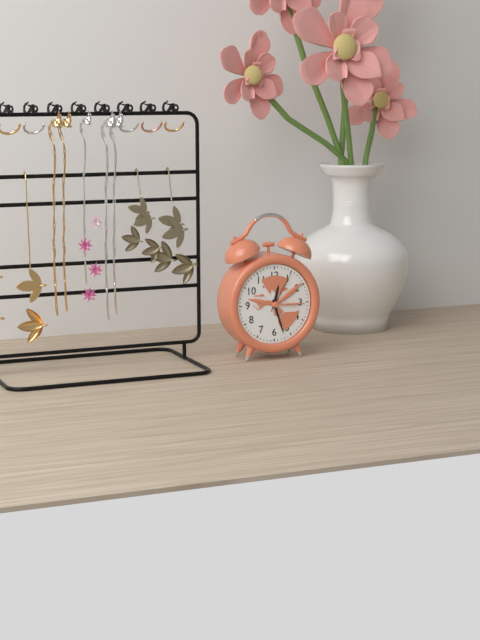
12:27
